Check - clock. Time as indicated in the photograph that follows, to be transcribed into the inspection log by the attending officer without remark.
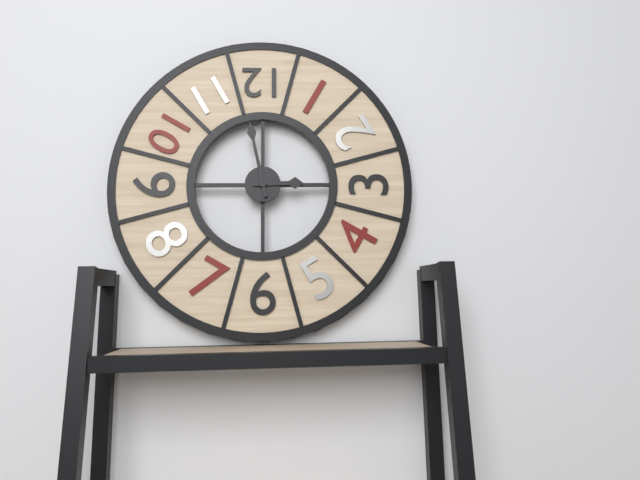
2:58
